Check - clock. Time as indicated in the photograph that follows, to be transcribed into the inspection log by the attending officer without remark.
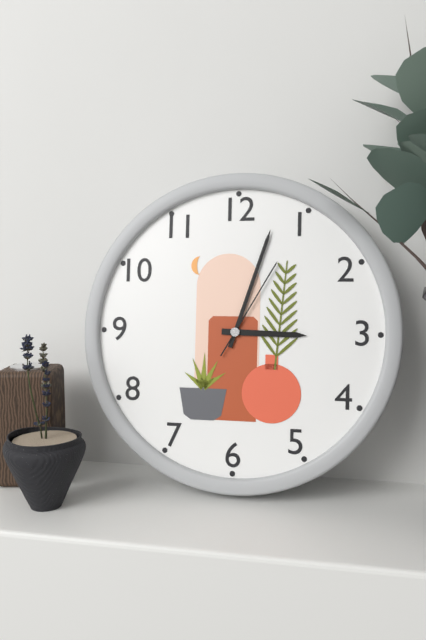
3:03:05
